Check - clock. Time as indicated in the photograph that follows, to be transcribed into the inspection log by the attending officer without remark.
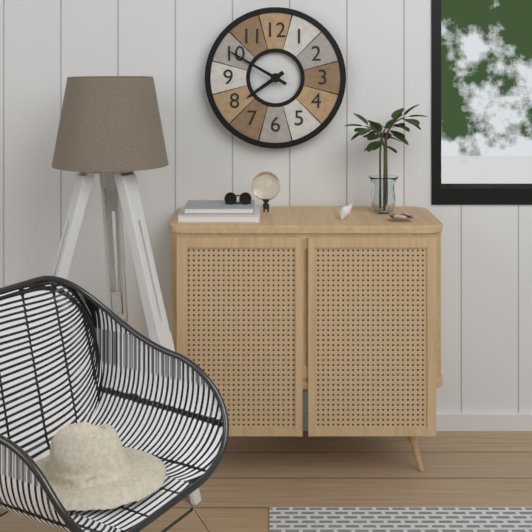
7:50
